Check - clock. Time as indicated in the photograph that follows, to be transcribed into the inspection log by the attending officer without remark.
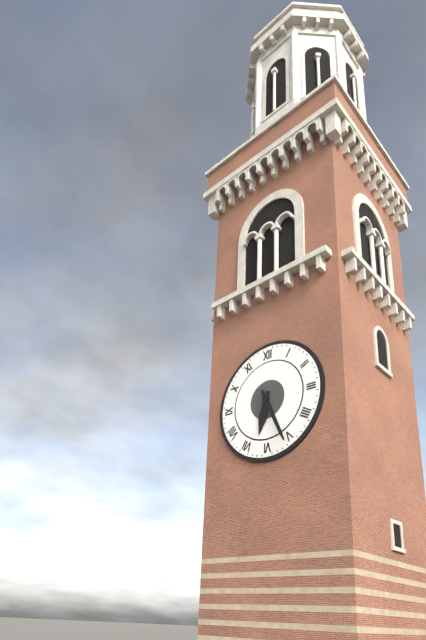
6:26
